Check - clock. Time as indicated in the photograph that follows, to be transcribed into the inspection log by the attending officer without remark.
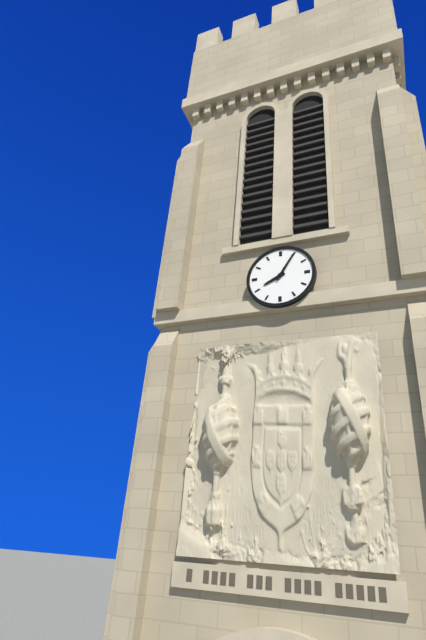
8:05
